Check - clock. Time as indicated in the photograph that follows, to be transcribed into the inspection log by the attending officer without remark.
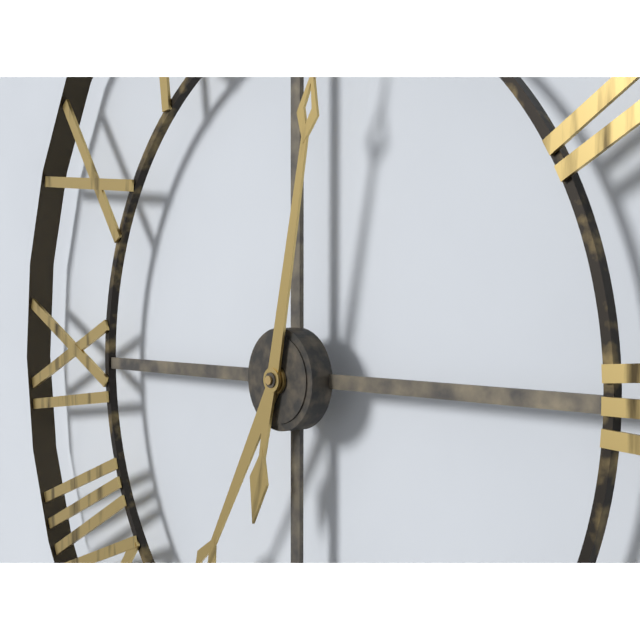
7:02
